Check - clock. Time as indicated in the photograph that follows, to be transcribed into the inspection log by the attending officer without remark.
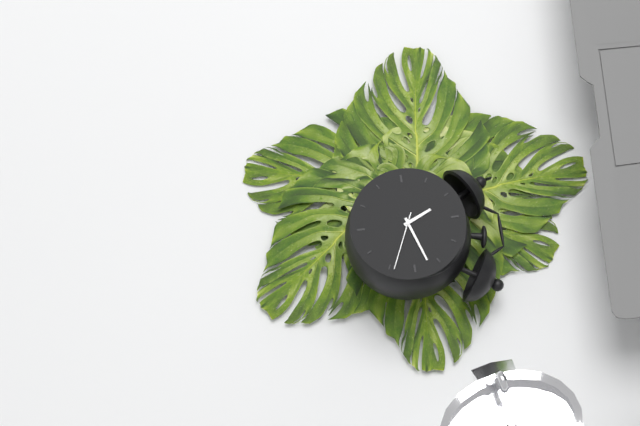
11:12:19
